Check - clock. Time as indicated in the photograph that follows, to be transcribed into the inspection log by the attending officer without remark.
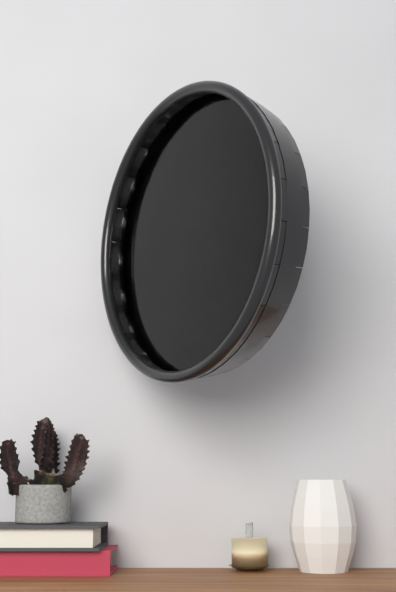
5:55
